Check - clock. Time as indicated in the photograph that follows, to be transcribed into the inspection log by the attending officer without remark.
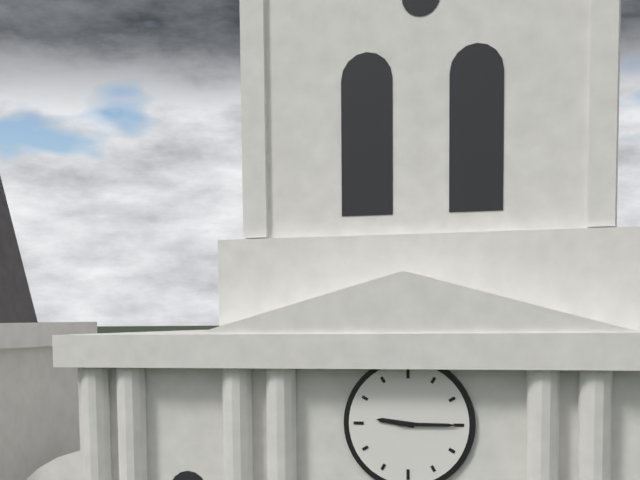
9:15
